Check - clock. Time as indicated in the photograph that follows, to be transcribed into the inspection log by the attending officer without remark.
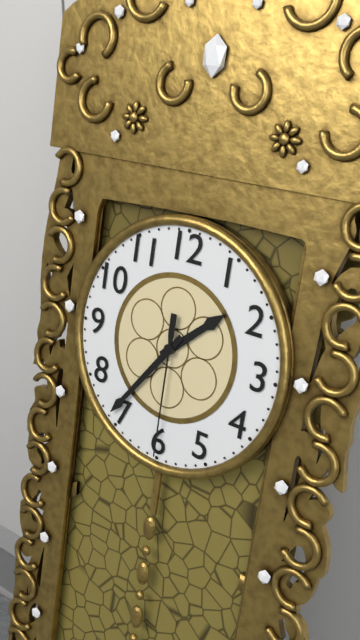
1:36:30
